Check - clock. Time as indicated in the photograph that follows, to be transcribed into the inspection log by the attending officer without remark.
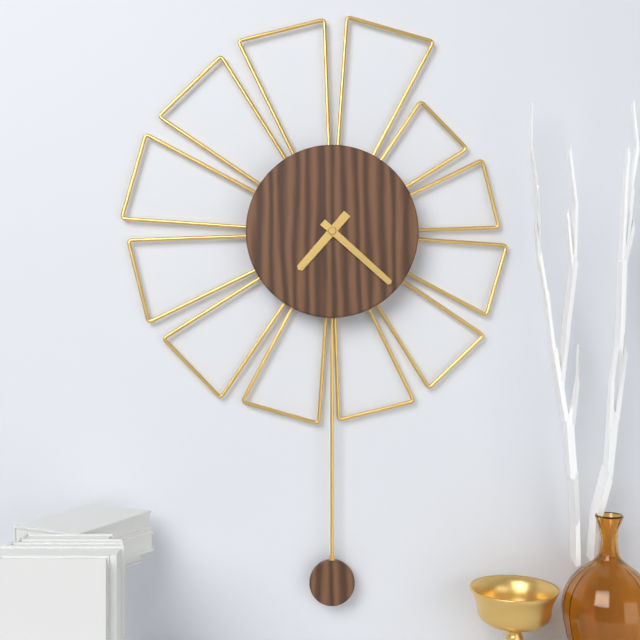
7:22
